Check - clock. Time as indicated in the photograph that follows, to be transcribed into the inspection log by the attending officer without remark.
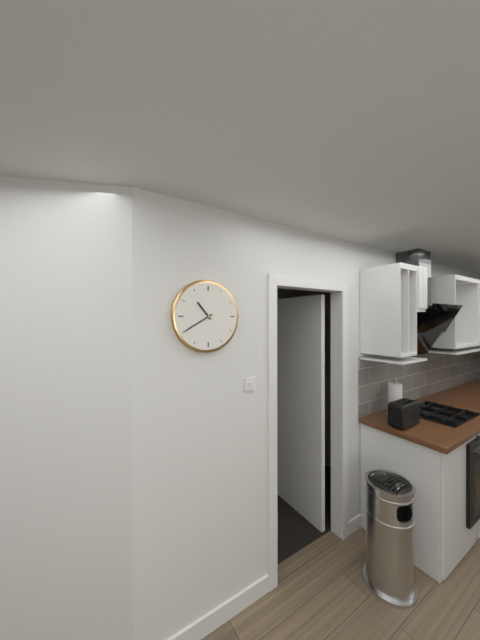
10:40
